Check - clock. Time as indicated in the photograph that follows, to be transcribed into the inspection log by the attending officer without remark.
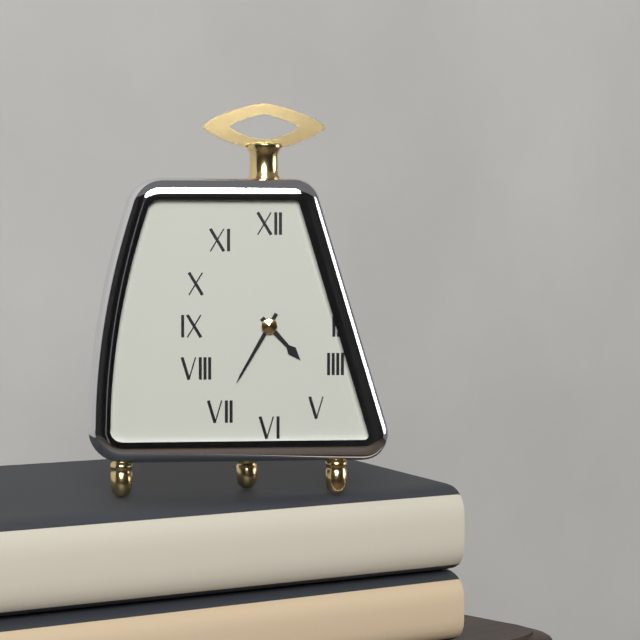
4:35
